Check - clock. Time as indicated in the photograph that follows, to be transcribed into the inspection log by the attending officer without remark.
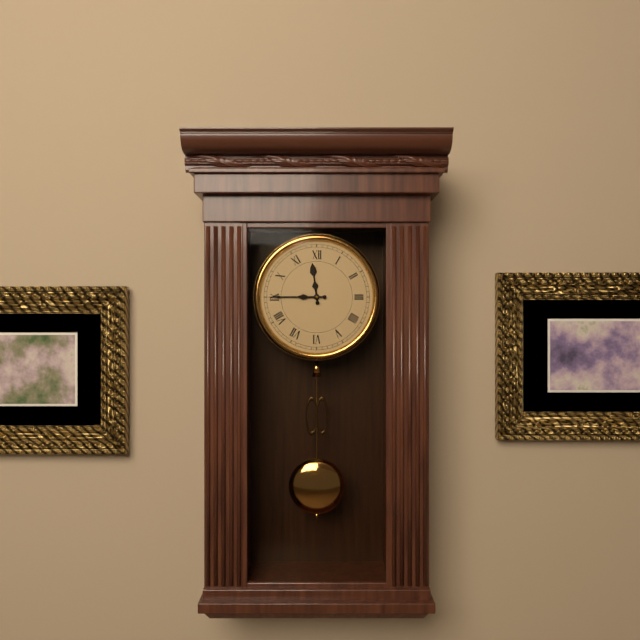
11:45
